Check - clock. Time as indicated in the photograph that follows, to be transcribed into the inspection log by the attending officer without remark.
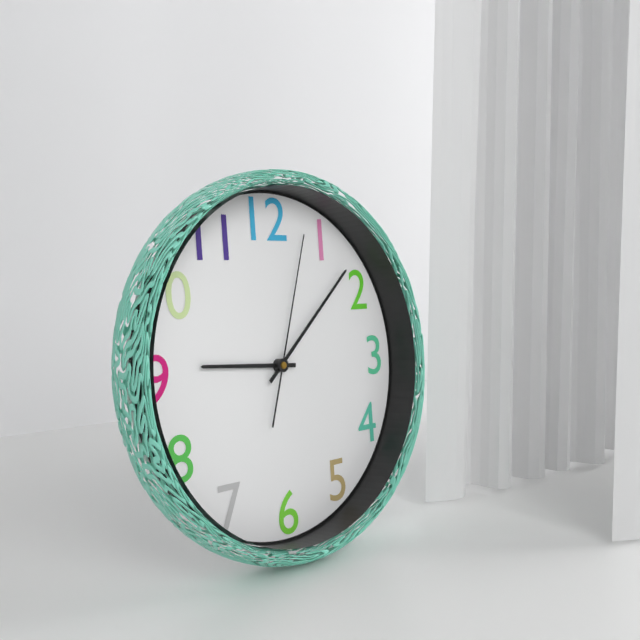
9:08:03
